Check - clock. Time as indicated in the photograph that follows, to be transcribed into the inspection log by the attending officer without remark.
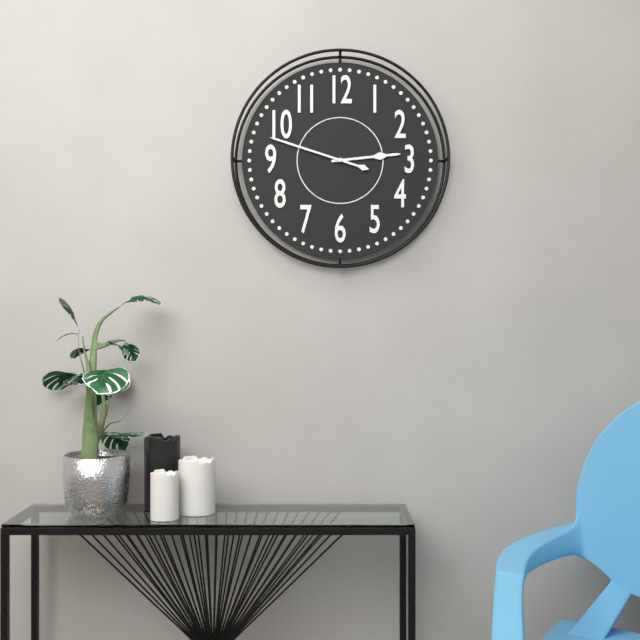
2:48
